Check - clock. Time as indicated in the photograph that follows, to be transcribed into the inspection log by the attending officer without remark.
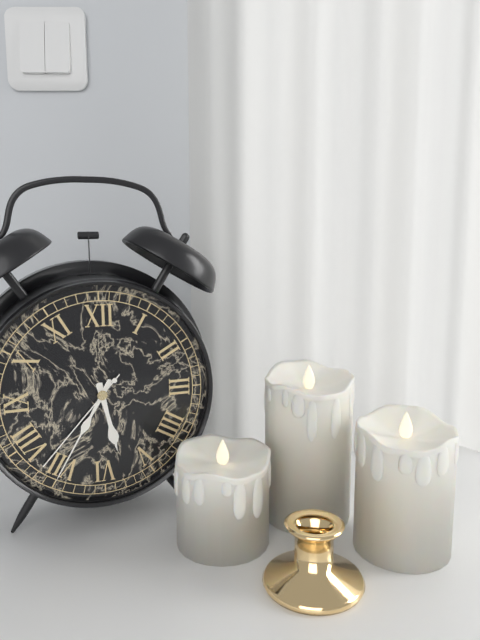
5:35:37
